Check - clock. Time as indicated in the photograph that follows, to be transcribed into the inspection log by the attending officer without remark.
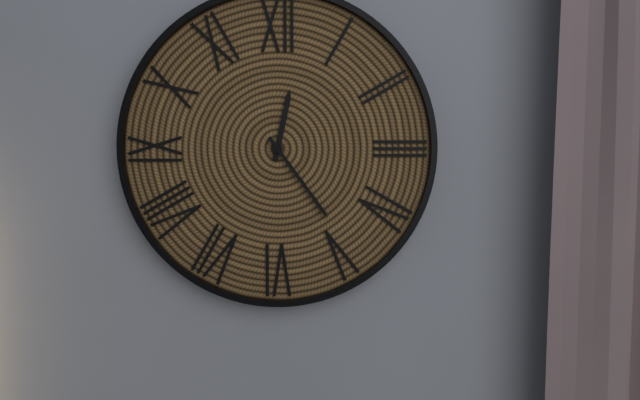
12:24
